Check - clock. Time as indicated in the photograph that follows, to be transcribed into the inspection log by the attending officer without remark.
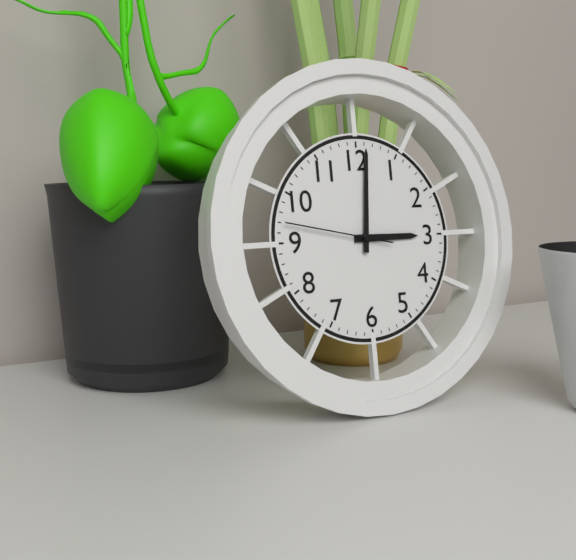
3:01:47
